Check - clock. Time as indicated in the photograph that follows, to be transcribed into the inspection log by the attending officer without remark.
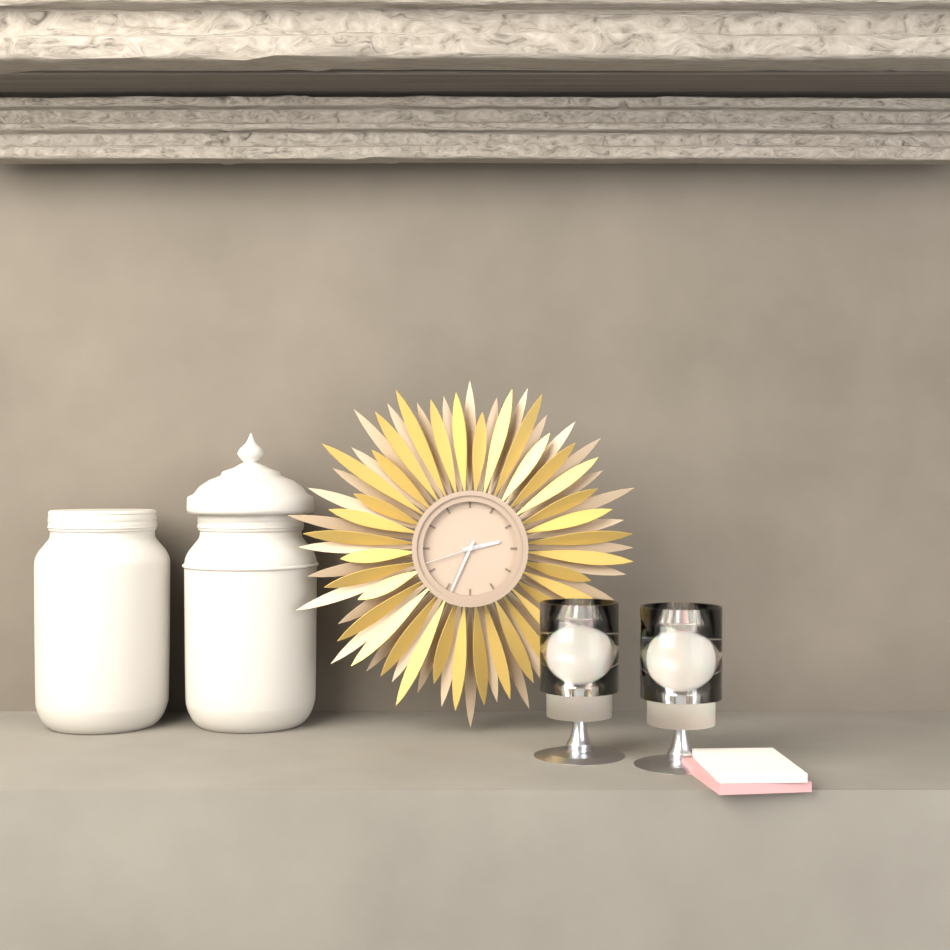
2:34:42
